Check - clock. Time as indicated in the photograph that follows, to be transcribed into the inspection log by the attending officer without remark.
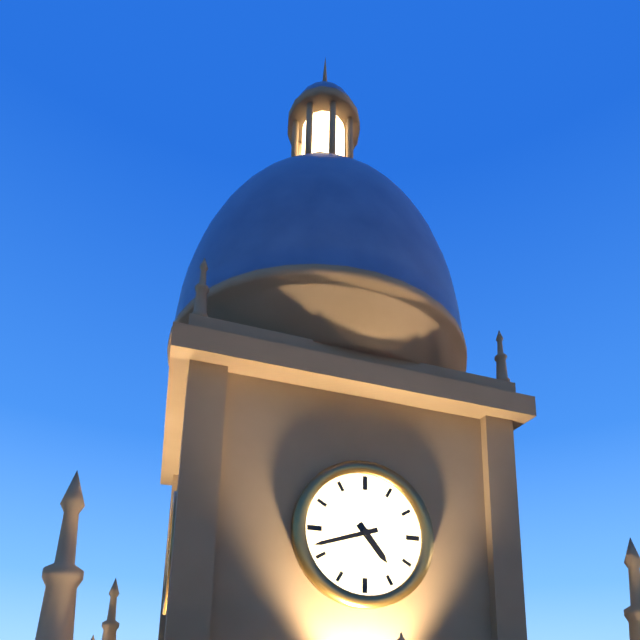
4:42
